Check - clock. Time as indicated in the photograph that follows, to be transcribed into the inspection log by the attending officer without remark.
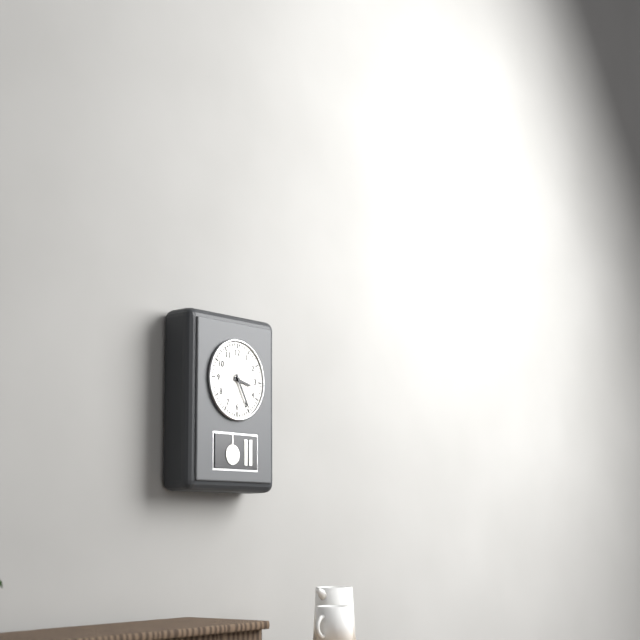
3:25
